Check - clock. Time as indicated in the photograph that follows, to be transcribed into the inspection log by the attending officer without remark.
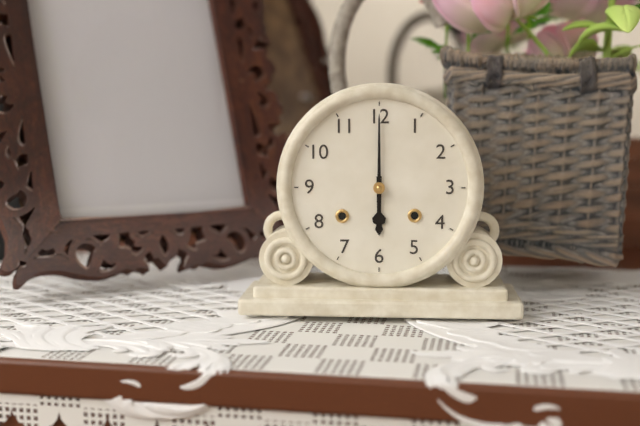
6:00
